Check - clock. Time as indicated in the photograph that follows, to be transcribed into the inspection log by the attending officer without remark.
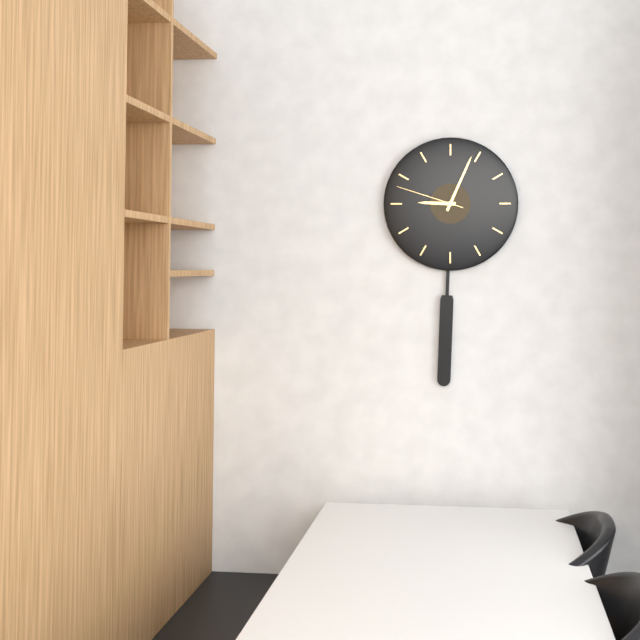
9:04:48
